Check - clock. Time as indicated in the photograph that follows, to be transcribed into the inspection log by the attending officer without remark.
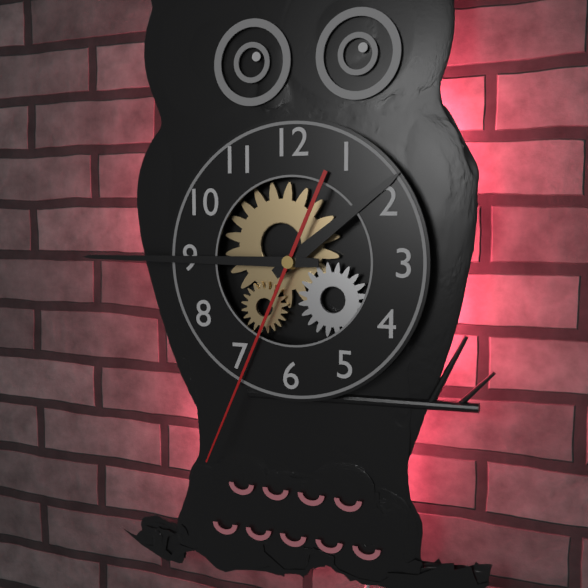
1:45:34
